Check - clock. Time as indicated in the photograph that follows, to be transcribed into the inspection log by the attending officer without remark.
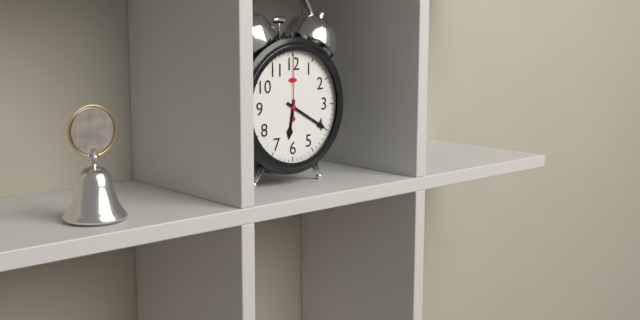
6:20:00
